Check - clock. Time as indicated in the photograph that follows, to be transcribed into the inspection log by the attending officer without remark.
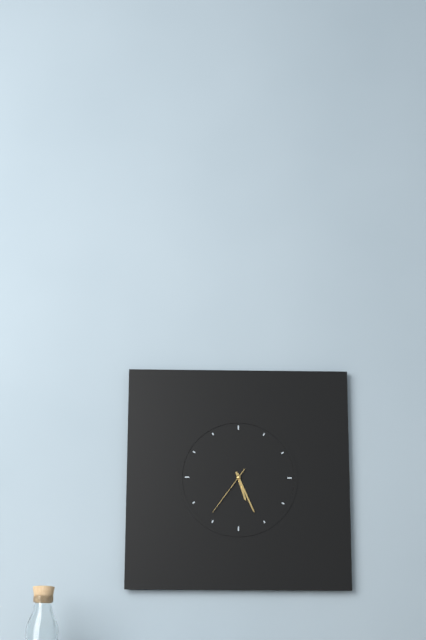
5:26:36
